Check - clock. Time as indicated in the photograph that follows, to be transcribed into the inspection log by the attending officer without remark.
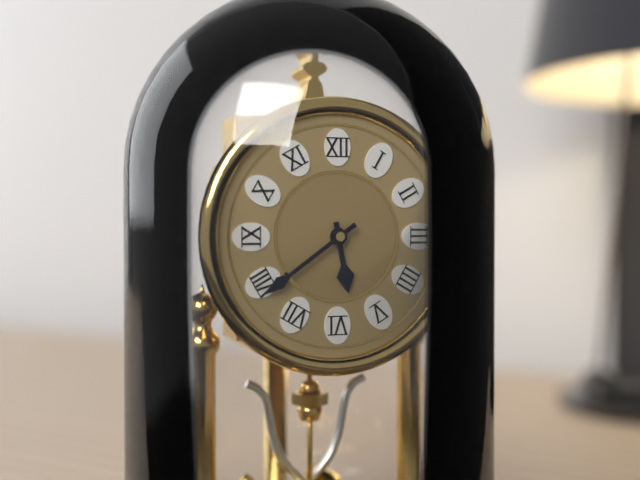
5:39
